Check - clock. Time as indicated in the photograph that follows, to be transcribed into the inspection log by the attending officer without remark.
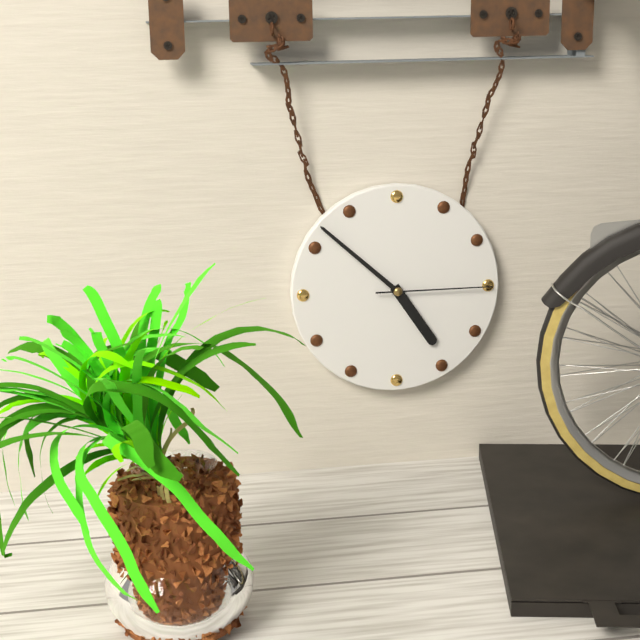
4:52:15
